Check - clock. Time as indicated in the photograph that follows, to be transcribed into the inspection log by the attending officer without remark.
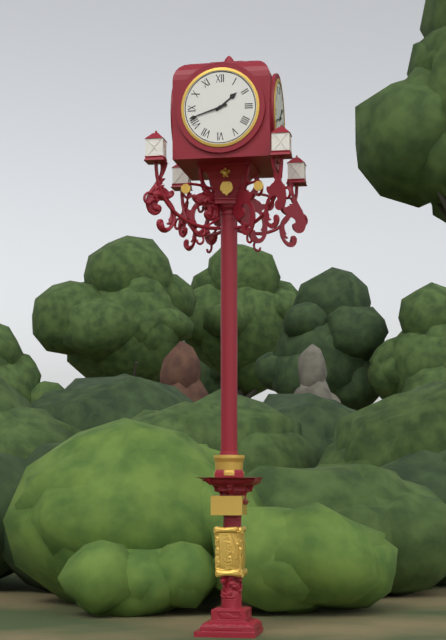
1:42
